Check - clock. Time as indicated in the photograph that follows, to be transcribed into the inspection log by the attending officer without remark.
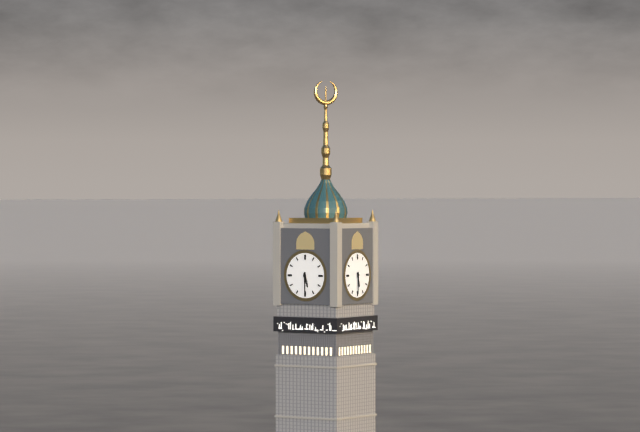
5:30
